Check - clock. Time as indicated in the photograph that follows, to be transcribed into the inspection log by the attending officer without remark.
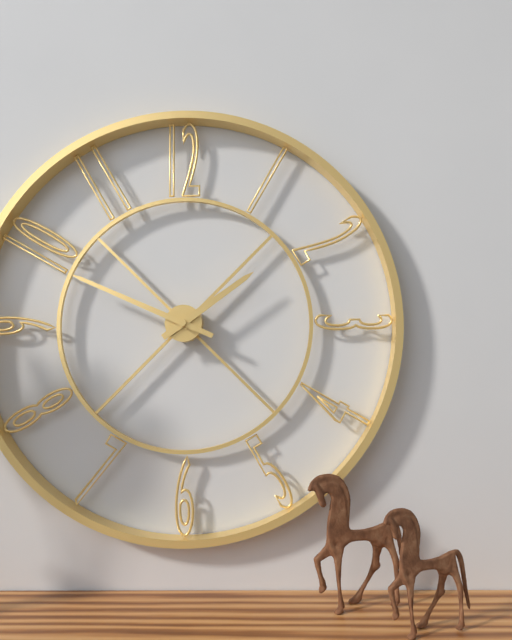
1:49
